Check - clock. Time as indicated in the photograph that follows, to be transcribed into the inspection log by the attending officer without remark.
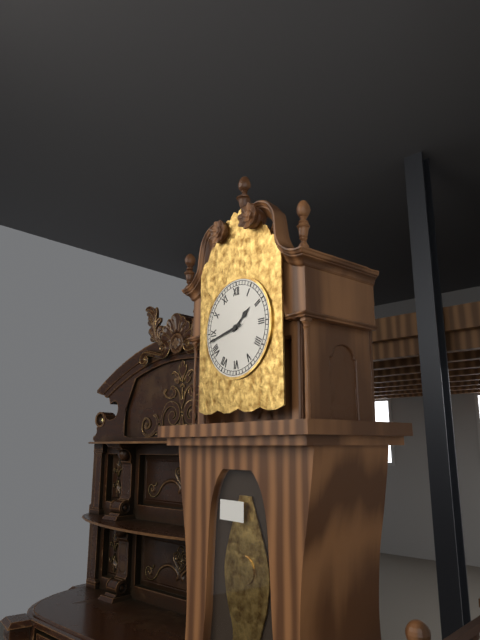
1:43
